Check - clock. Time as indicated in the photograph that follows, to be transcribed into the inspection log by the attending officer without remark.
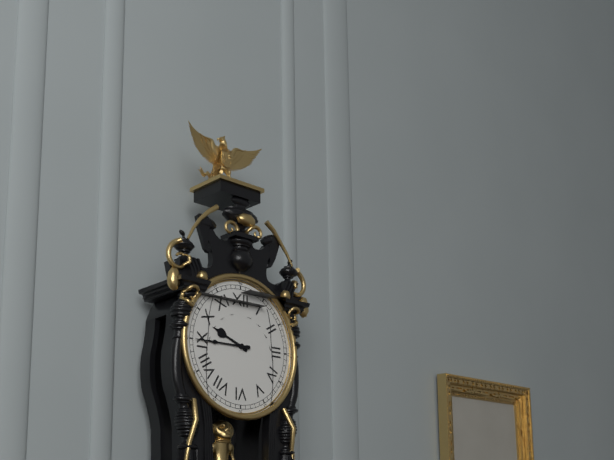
9:45
